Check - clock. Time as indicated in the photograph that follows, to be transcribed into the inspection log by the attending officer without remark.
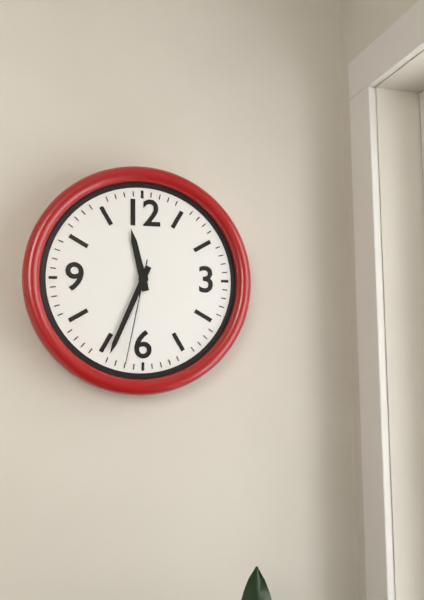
11:34:32
